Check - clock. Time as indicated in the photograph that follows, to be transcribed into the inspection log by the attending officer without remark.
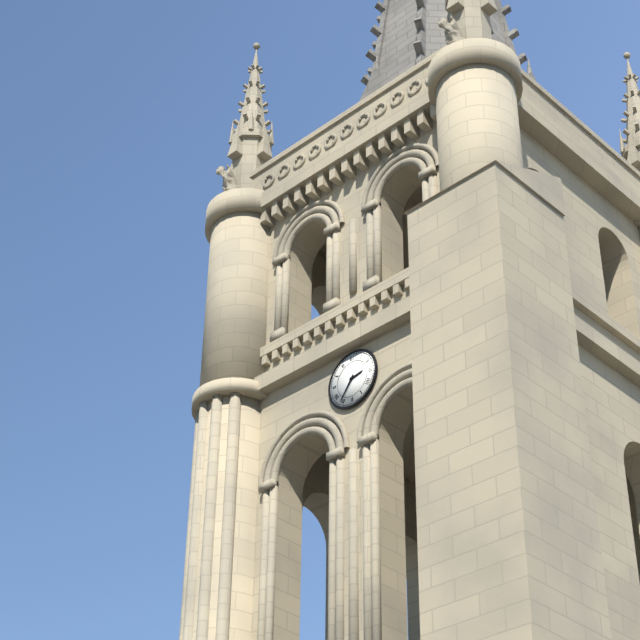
2:36
